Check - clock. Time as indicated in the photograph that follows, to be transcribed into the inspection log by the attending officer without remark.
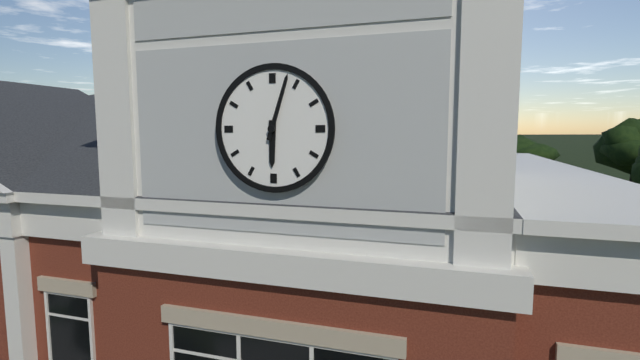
6:03
